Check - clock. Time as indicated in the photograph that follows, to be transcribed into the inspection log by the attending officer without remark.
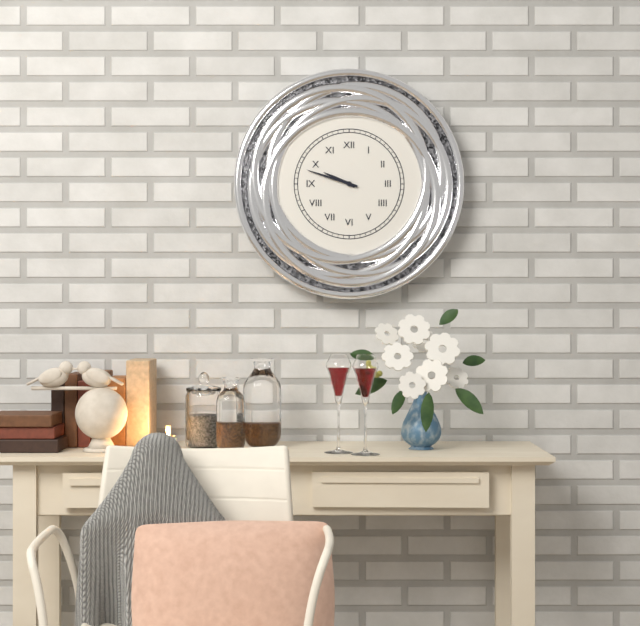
9:48
